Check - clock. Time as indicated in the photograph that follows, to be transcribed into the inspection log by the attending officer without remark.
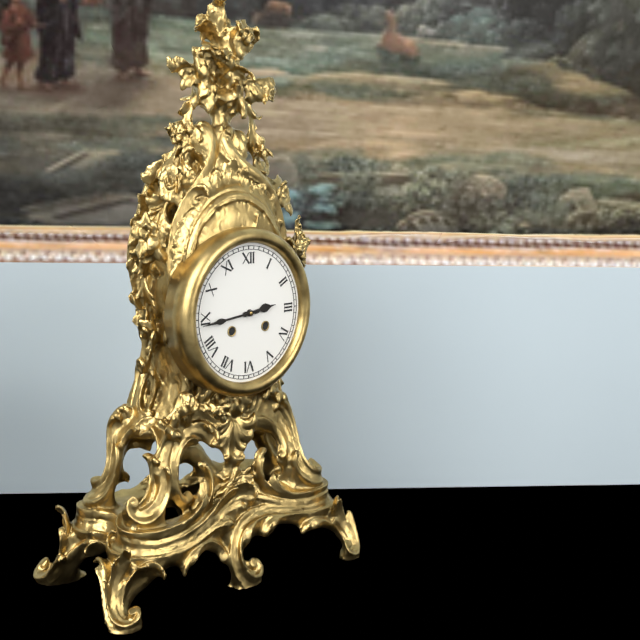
2:44
